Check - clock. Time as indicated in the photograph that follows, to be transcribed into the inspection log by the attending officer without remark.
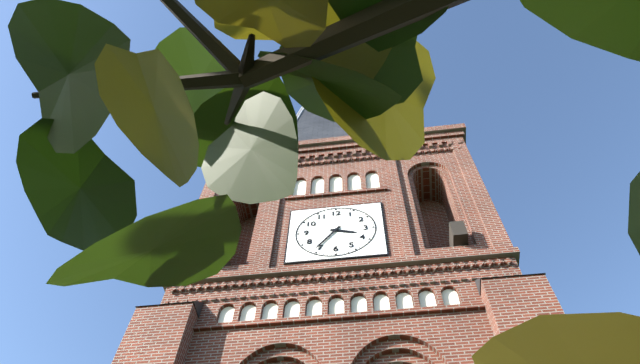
3:36
